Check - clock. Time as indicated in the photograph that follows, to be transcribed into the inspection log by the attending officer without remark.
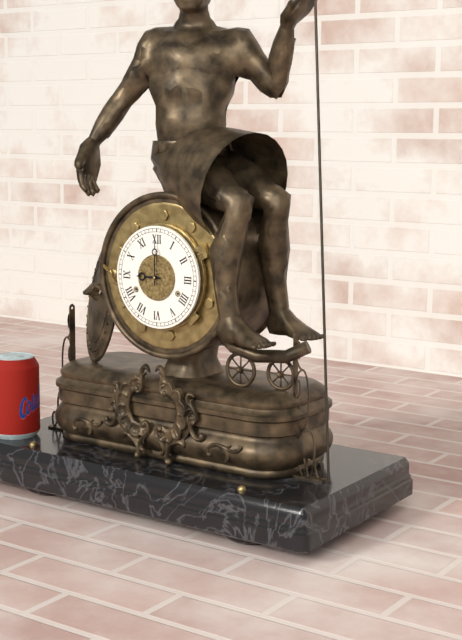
9:00
